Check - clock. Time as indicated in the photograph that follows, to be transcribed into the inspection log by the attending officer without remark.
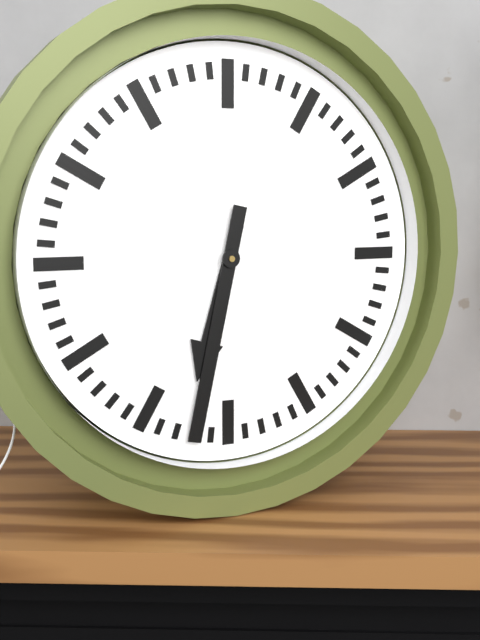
6:32
